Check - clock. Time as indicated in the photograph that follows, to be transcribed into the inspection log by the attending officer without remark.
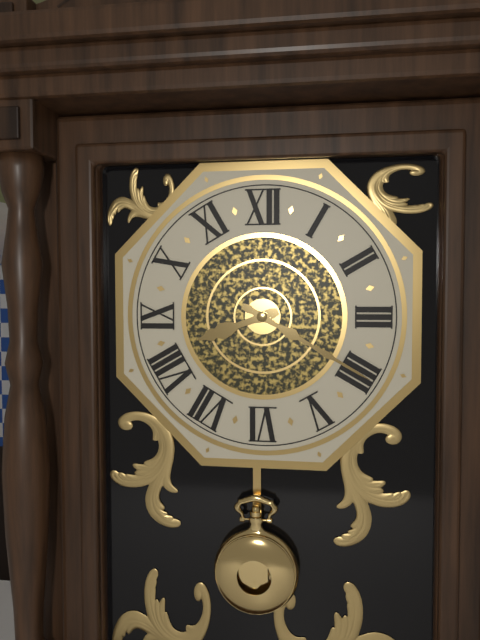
8:20
